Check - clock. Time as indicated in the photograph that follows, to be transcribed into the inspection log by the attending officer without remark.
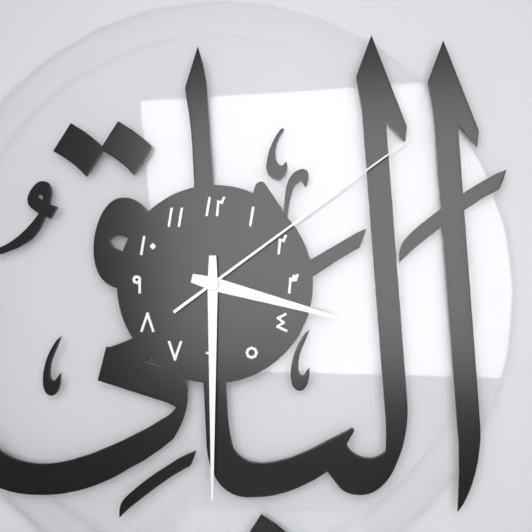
3:30:09
